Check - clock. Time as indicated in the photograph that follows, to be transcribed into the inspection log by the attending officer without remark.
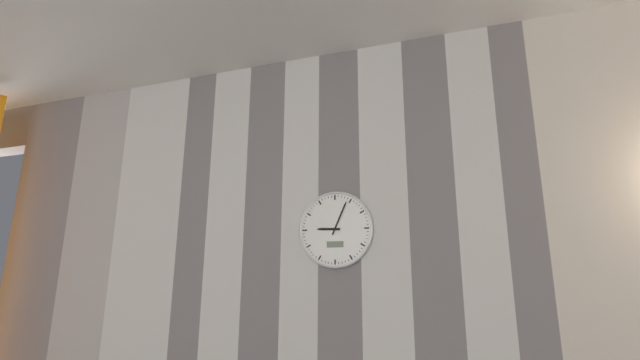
9:04
